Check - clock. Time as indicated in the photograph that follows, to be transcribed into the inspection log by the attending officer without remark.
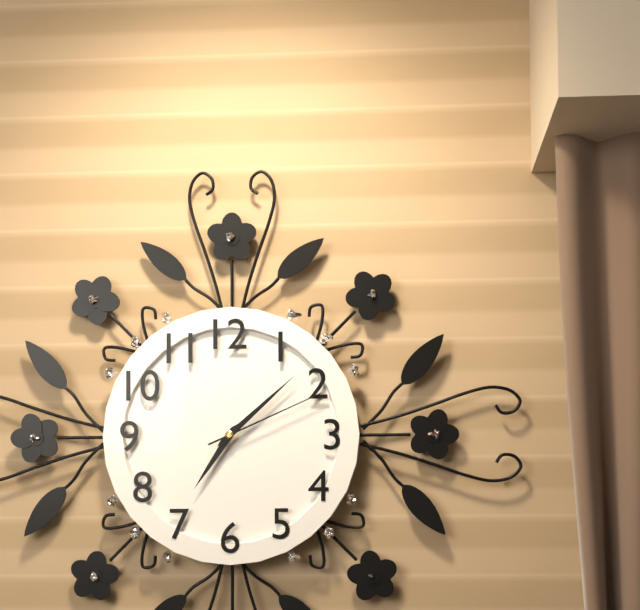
7:08:11
